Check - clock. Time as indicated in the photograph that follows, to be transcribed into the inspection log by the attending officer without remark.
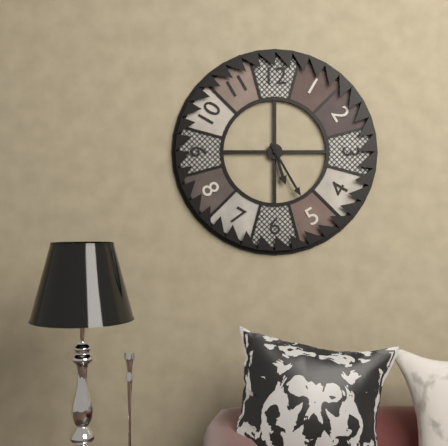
5:25
